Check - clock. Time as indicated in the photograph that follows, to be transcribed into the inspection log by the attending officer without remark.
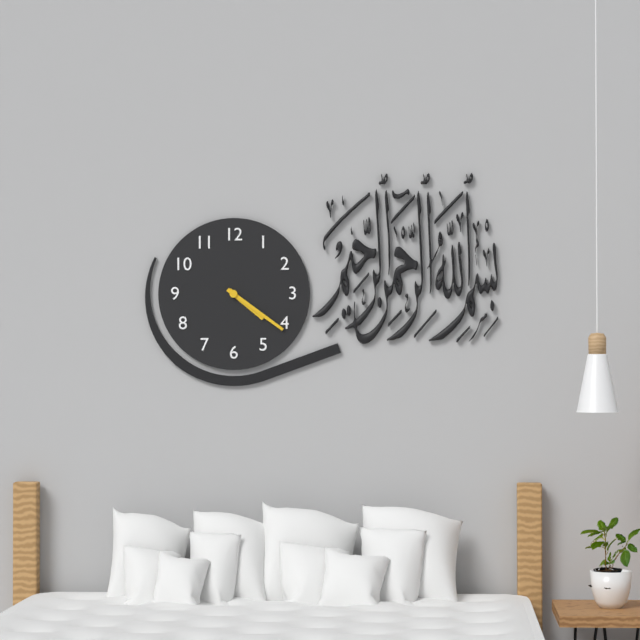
4:21
